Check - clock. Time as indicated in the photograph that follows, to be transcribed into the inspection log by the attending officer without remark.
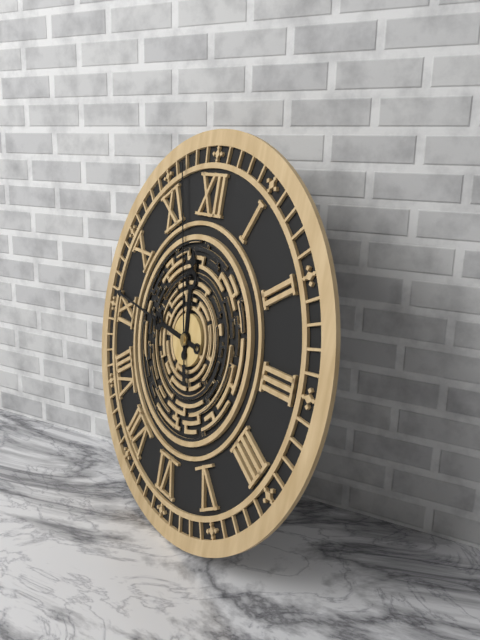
11:46:57
